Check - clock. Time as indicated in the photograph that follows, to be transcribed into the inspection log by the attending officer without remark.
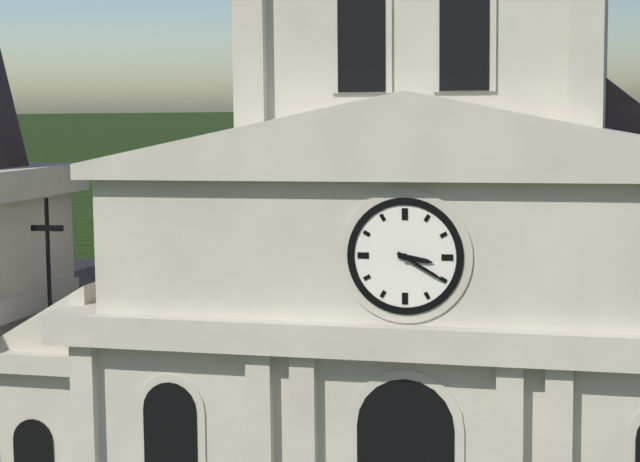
3:20
